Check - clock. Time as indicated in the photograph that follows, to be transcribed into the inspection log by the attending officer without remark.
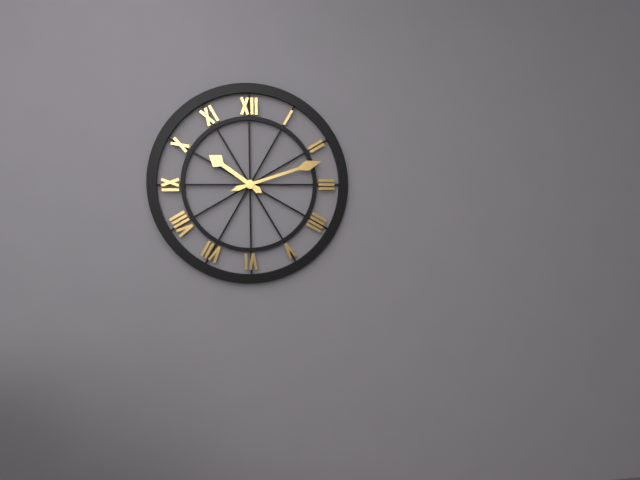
10:12
